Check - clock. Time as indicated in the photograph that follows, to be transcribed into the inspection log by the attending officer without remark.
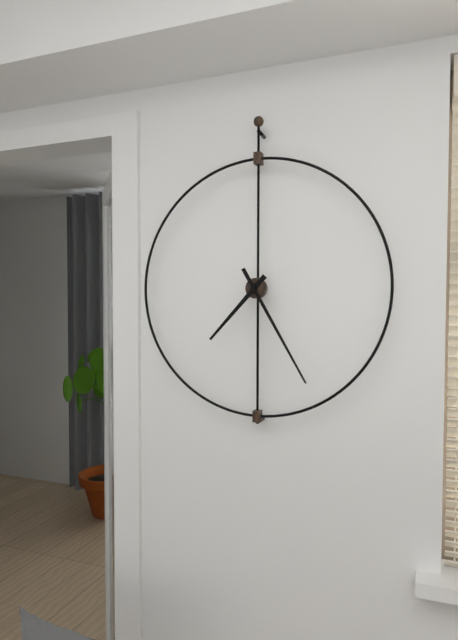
7:25
